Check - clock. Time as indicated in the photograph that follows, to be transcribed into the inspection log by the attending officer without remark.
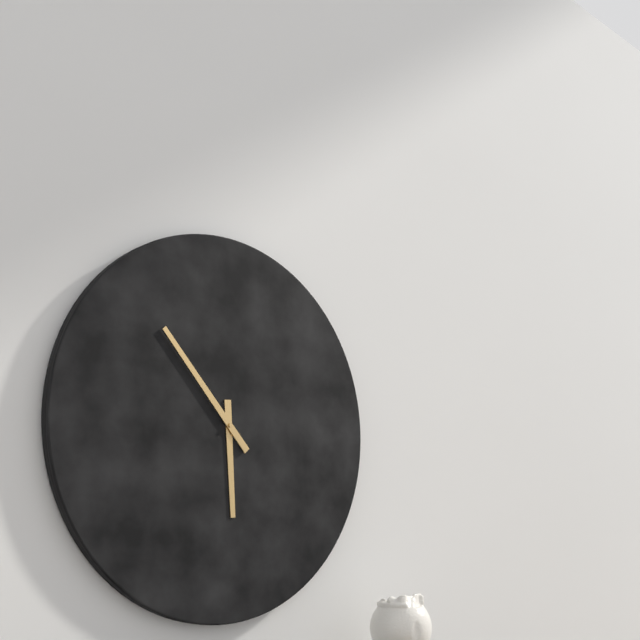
5:53
